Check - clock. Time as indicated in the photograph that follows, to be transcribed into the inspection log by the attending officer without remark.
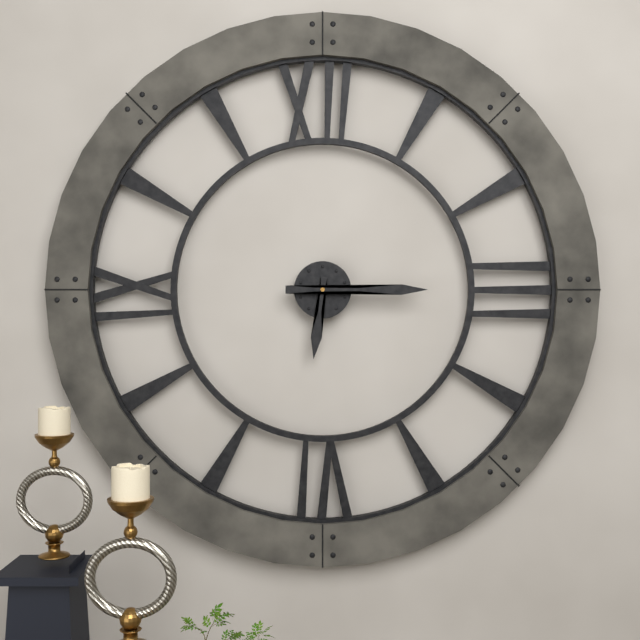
6:15
